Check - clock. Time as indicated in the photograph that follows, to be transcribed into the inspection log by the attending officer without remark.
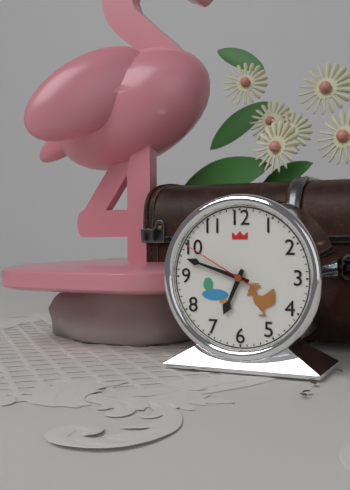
6:48:50
